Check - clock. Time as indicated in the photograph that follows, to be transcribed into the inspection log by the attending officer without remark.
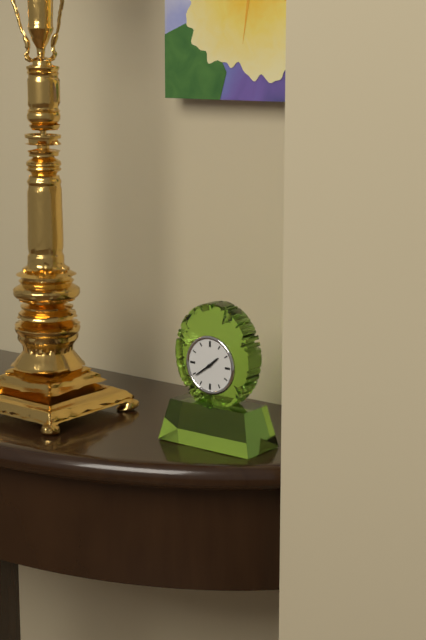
1:39
